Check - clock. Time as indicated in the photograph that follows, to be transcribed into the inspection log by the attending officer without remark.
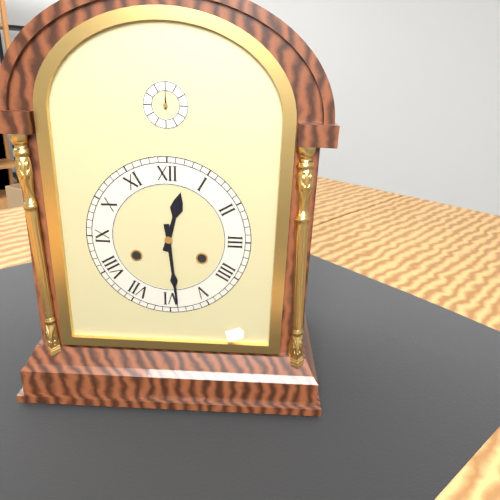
12:29
